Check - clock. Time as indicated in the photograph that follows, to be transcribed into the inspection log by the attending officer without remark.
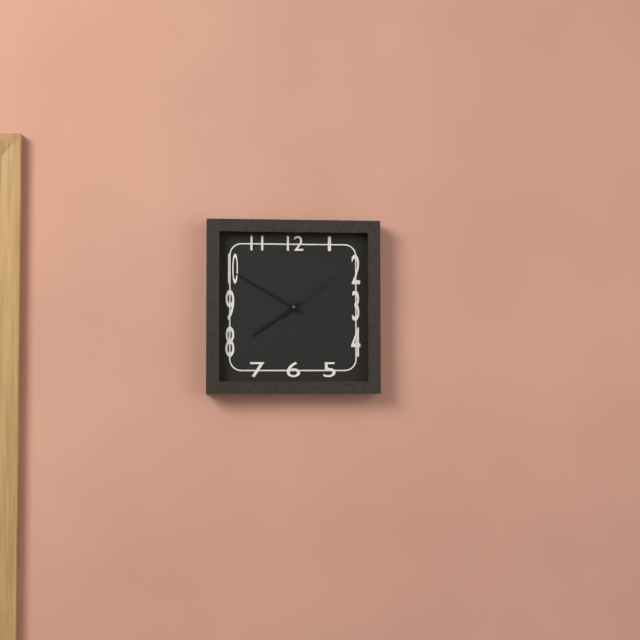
7:50:09
